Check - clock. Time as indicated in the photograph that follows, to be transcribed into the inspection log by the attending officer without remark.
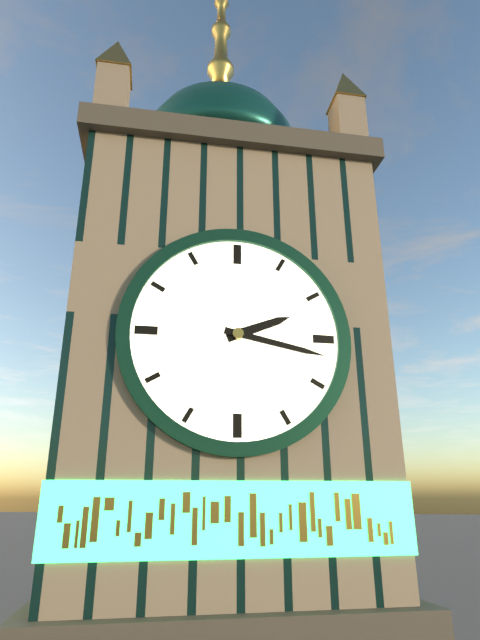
2:17
